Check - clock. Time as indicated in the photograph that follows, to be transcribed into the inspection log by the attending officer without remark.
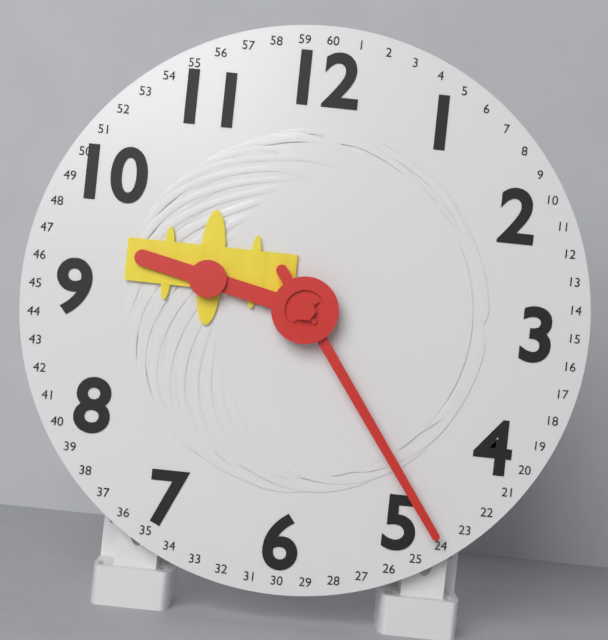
9:24
